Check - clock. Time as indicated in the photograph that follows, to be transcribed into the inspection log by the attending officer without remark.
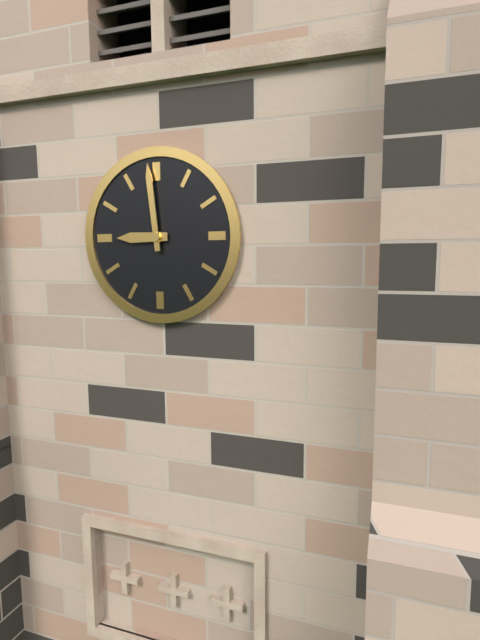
8:59
